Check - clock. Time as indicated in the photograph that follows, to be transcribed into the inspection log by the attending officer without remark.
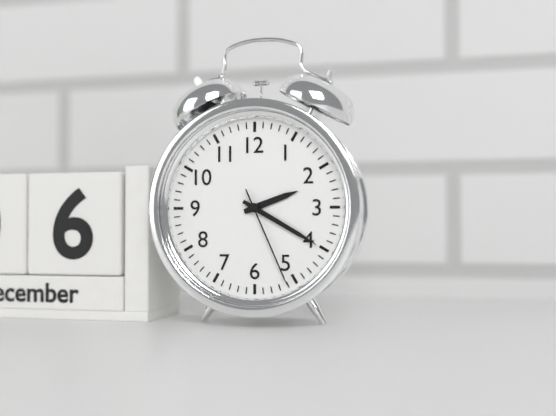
2:20:26
